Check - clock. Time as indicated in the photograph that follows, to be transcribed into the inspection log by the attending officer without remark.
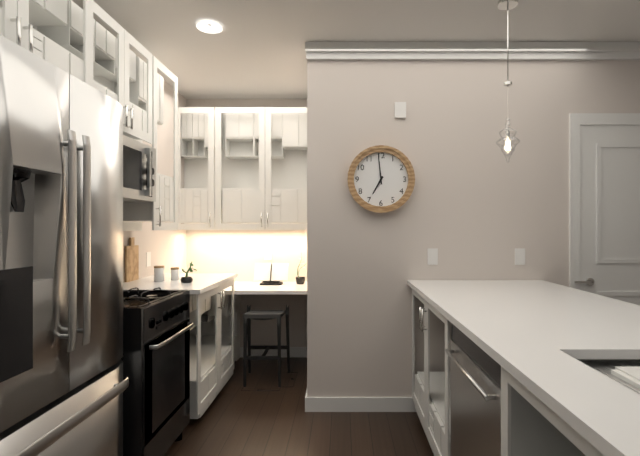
6:59
